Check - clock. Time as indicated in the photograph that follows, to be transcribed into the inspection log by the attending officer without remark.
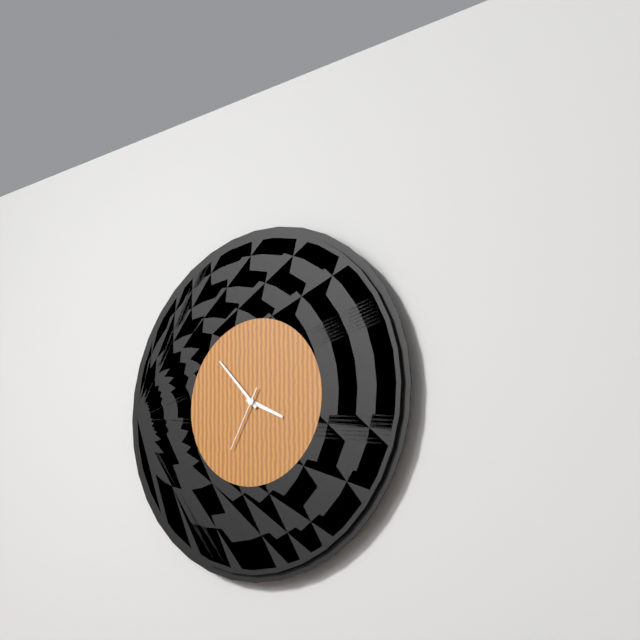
3:53:35
